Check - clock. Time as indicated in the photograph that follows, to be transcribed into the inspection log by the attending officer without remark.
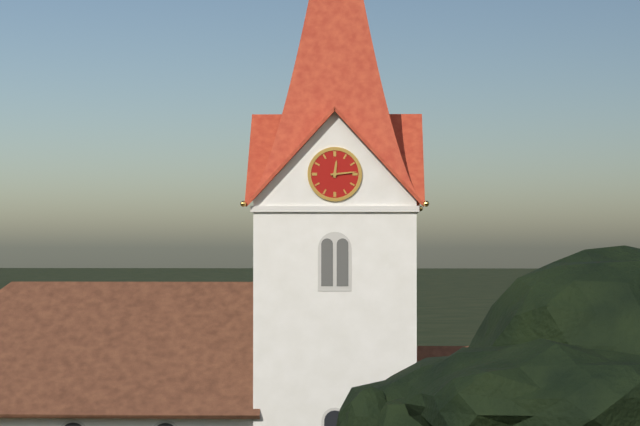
12:14
